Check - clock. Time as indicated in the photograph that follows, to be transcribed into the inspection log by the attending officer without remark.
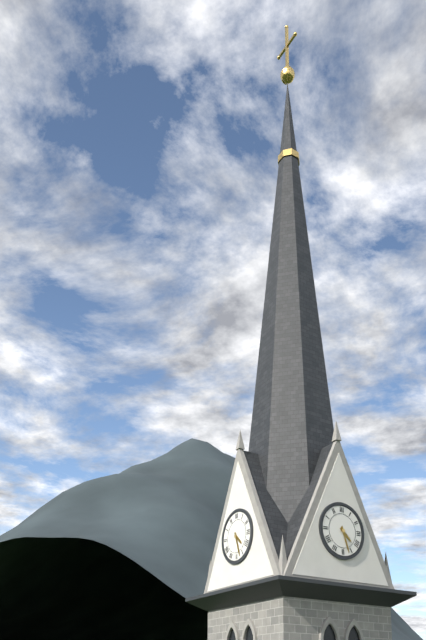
4:27
